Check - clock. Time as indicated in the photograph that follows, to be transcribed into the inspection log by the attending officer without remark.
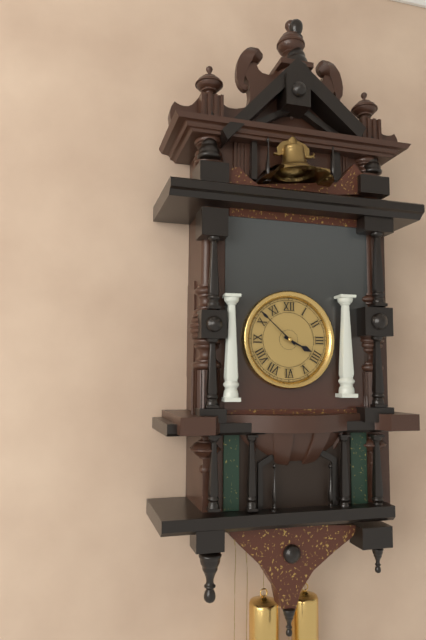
3:52
